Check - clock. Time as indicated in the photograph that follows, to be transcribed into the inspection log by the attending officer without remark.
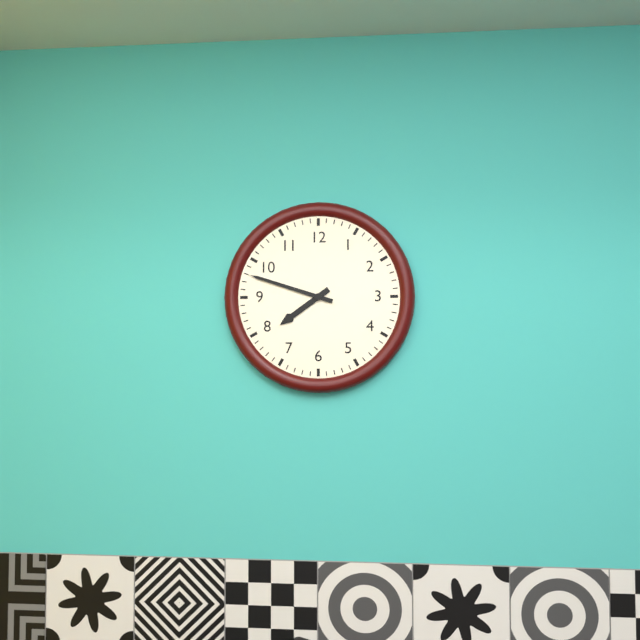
7:48
